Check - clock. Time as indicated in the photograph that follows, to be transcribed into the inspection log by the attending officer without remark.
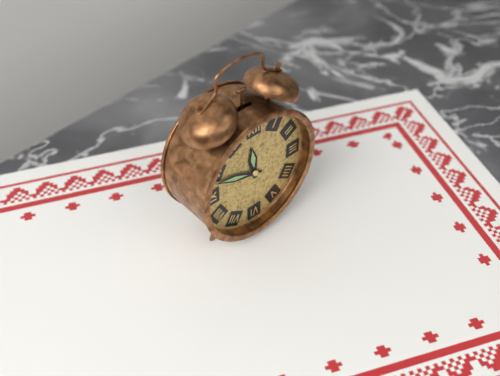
11:48
